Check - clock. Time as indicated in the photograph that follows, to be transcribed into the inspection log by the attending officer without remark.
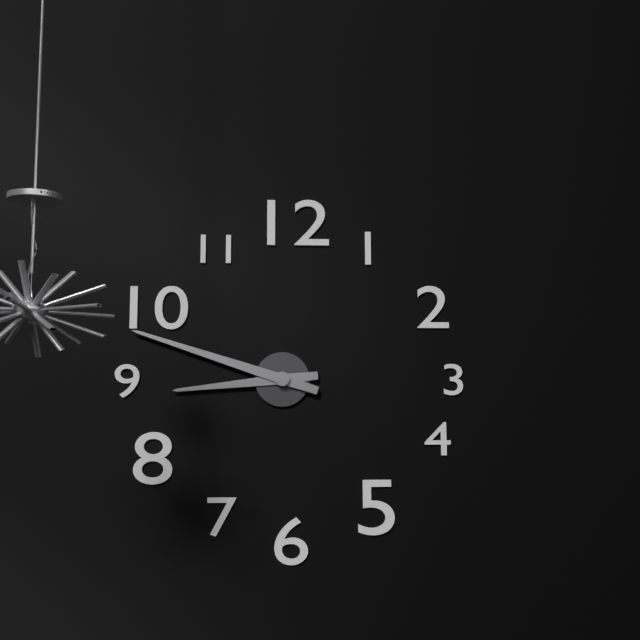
8:48
